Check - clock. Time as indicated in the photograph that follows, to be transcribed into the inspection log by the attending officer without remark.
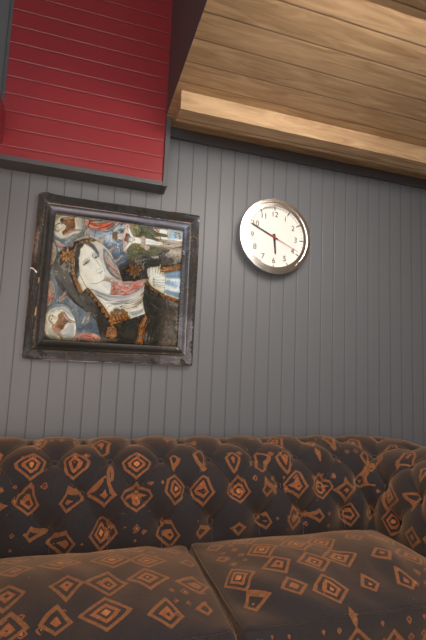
5:49
